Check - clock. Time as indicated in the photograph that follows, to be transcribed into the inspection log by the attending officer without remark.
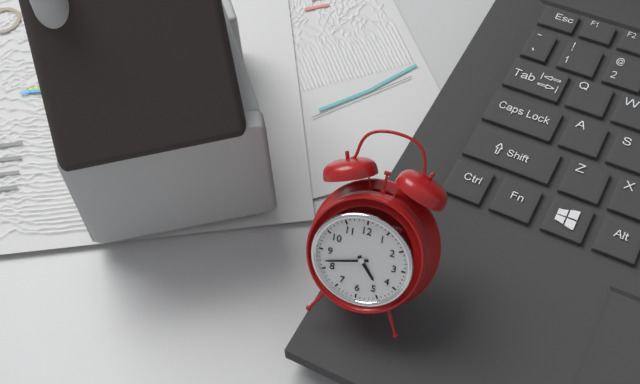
4:42
